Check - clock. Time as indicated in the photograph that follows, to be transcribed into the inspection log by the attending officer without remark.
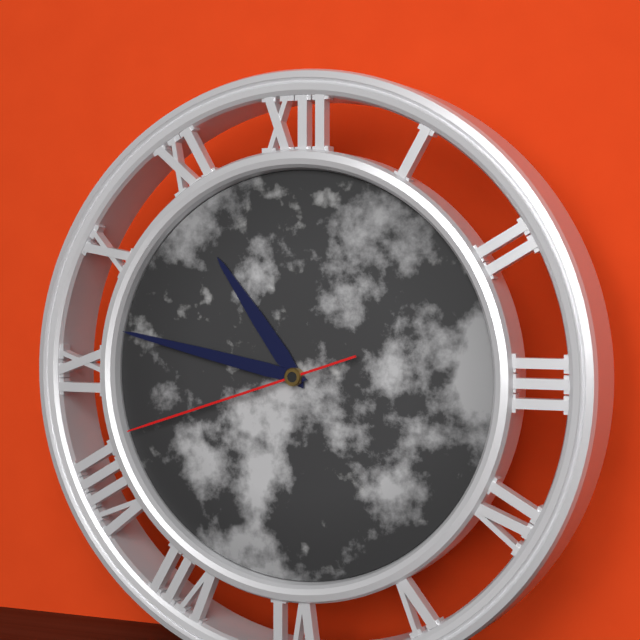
10:47:42
